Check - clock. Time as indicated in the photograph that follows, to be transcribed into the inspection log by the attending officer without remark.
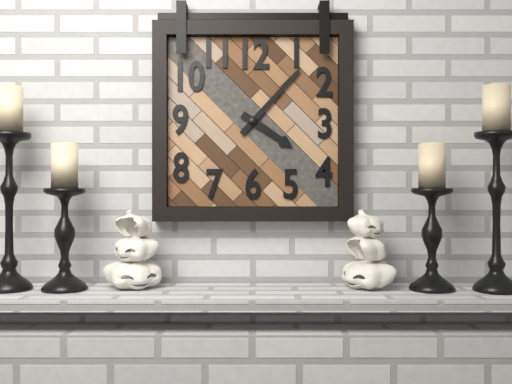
4:07
